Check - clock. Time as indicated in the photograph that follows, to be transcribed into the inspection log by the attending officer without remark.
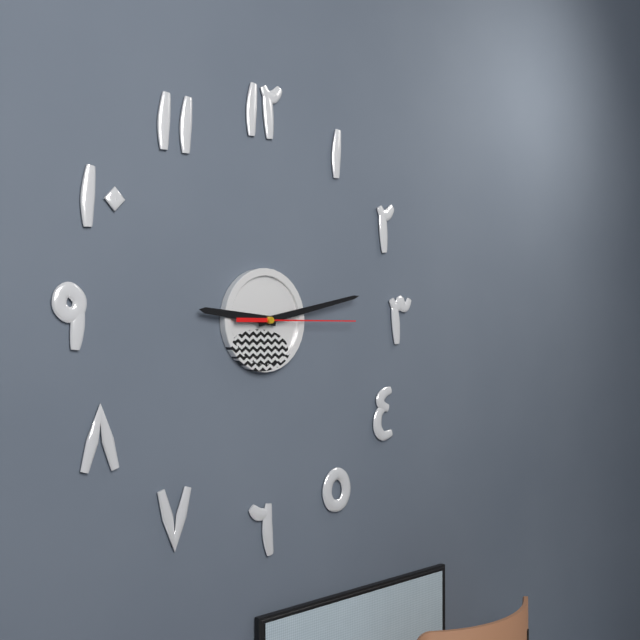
9:13:15
